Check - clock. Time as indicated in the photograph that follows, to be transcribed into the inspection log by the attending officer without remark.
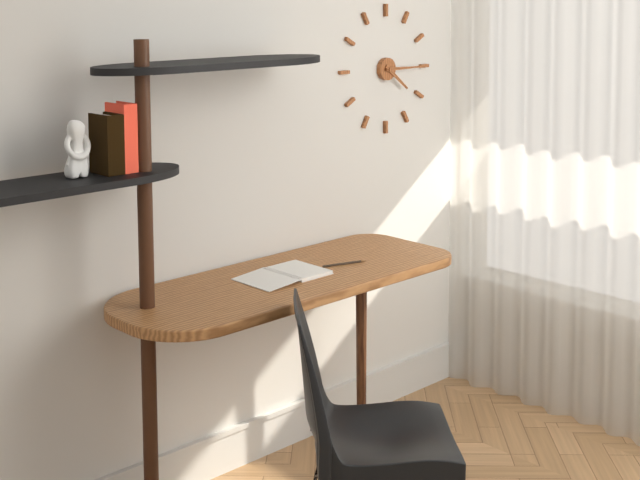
4:15
